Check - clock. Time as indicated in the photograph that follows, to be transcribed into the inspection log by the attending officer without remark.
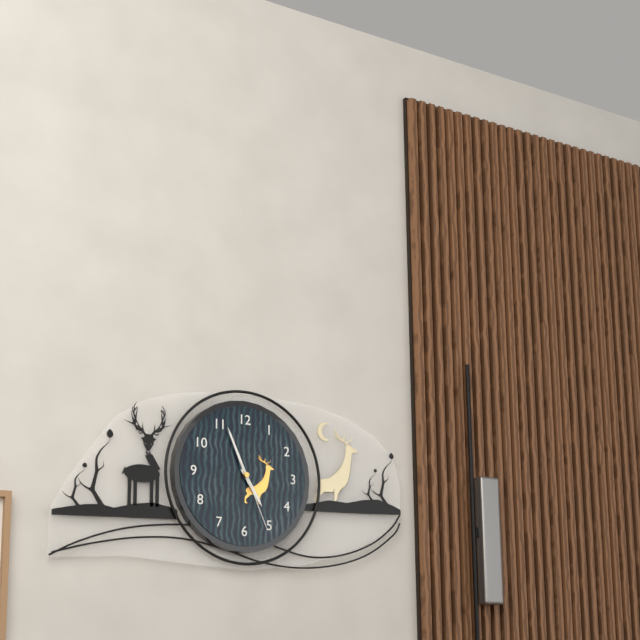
4:56:26
